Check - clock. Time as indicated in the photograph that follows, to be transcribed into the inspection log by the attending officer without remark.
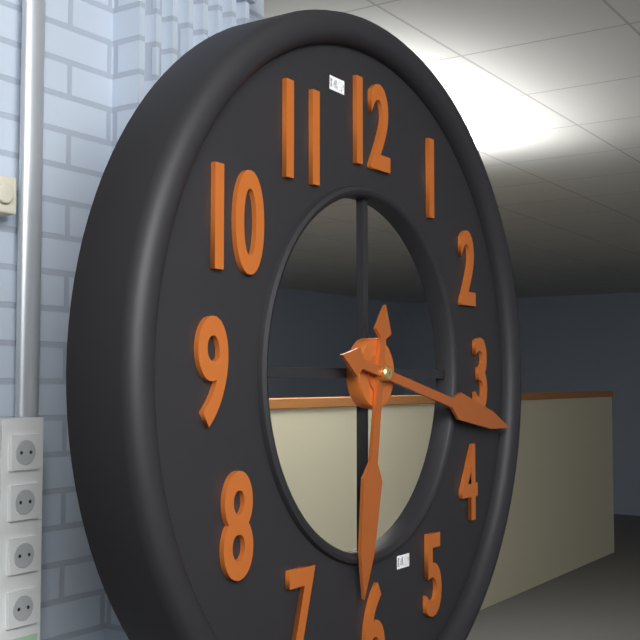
6:17
